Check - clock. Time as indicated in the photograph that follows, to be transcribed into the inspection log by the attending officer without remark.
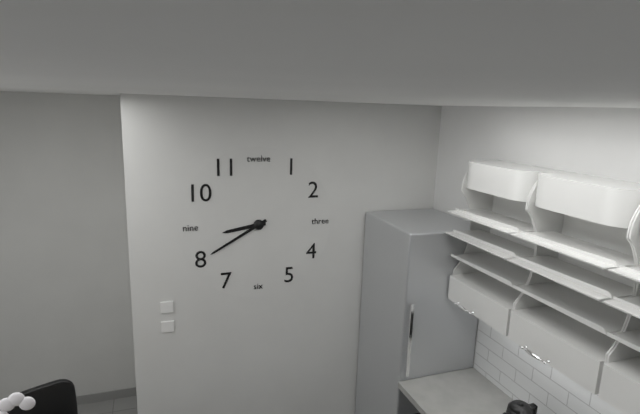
8:40
